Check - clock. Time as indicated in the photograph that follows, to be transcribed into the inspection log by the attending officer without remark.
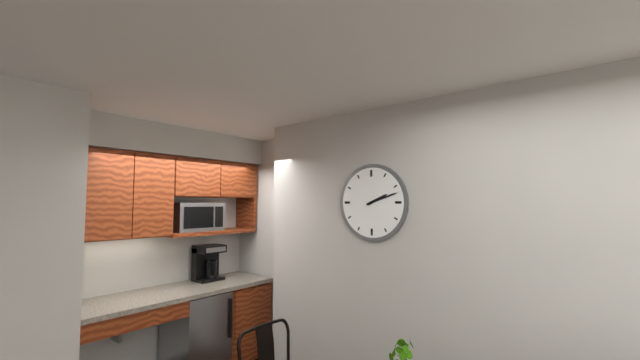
2:12
